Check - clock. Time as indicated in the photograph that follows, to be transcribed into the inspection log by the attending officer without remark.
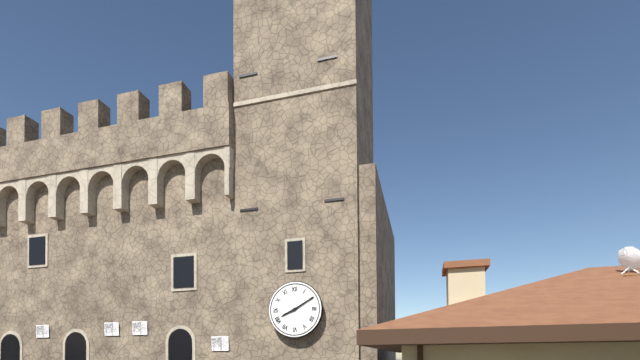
8:10
